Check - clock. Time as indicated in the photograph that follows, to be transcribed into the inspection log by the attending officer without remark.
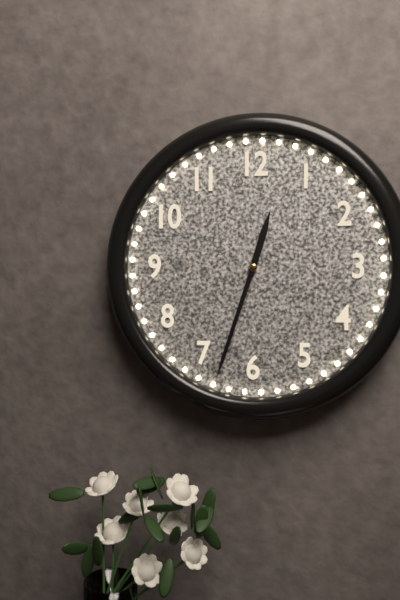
12:33
